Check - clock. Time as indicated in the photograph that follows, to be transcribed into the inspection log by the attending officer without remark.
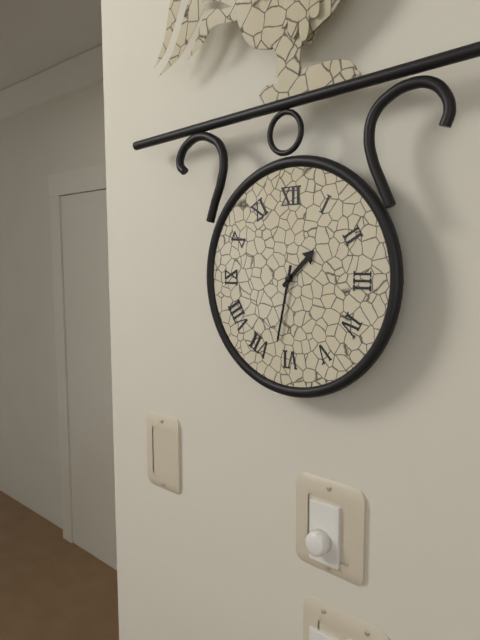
1:32
